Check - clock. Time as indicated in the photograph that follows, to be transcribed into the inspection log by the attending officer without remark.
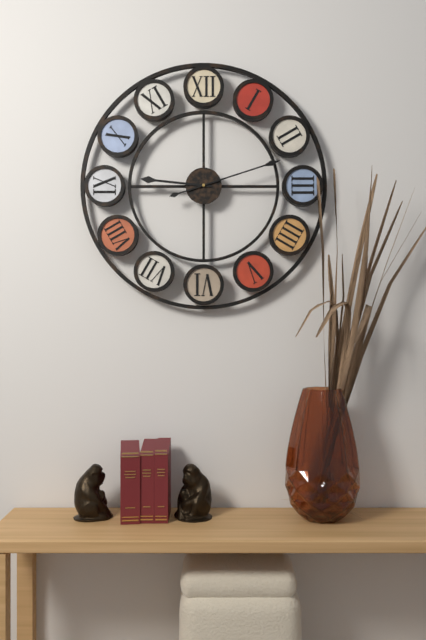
9:12
